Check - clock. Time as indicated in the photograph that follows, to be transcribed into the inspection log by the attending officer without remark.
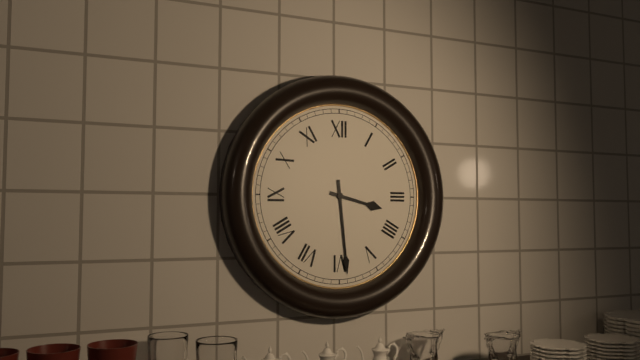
3:29
